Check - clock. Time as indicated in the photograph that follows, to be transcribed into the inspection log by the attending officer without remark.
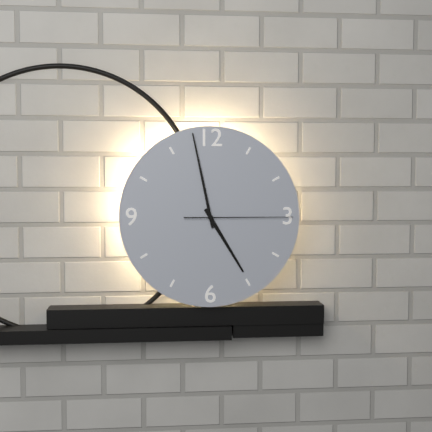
4:58:15
